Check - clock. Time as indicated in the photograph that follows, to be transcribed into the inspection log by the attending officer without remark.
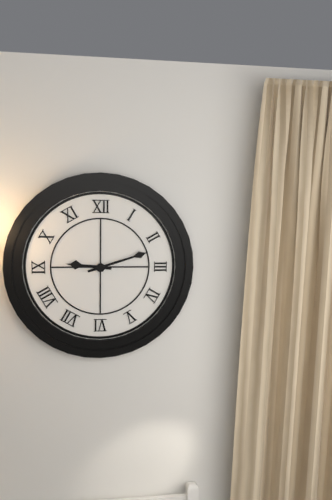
9:12
